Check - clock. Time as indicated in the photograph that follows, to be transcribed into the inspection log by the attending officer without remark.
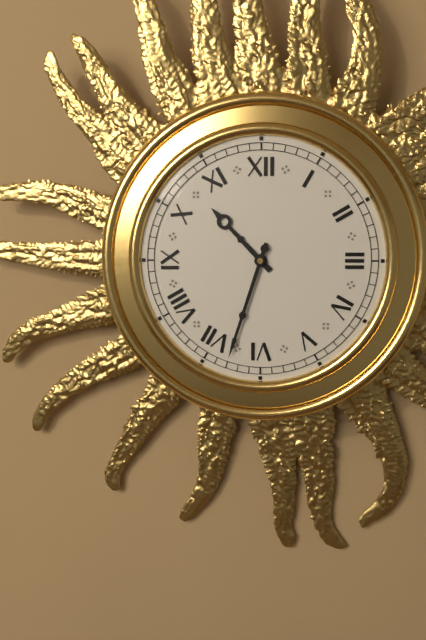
10:33
